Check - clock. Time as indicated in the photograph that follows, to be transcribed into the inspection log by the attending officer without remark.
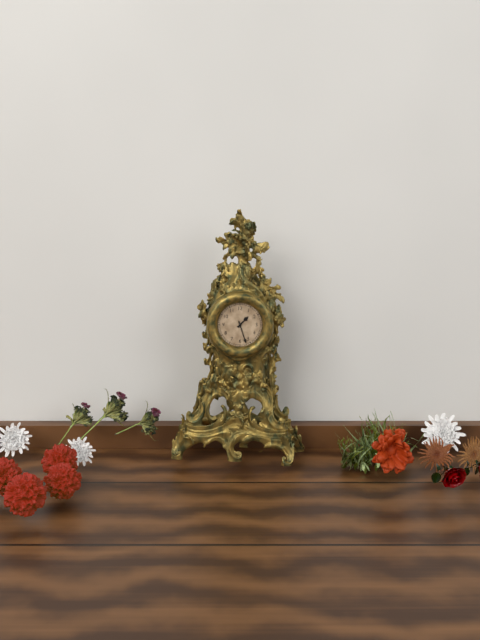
1:27
